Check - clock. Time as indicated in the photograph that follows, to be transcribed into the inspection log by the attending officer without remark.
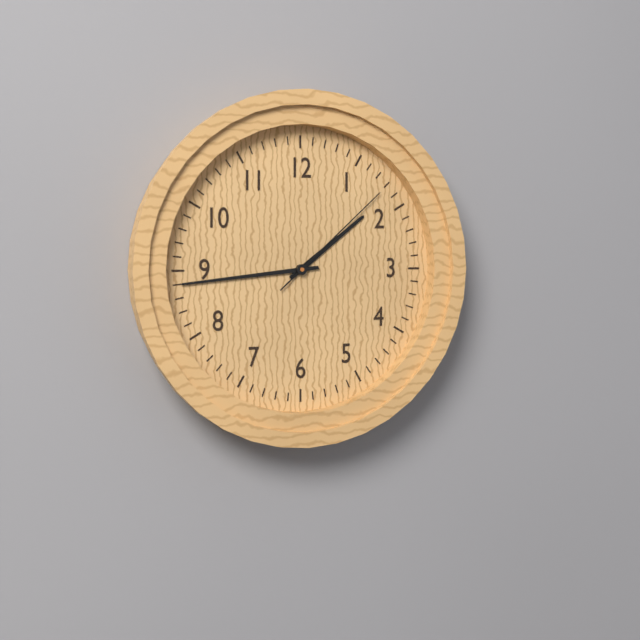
1:44:08
